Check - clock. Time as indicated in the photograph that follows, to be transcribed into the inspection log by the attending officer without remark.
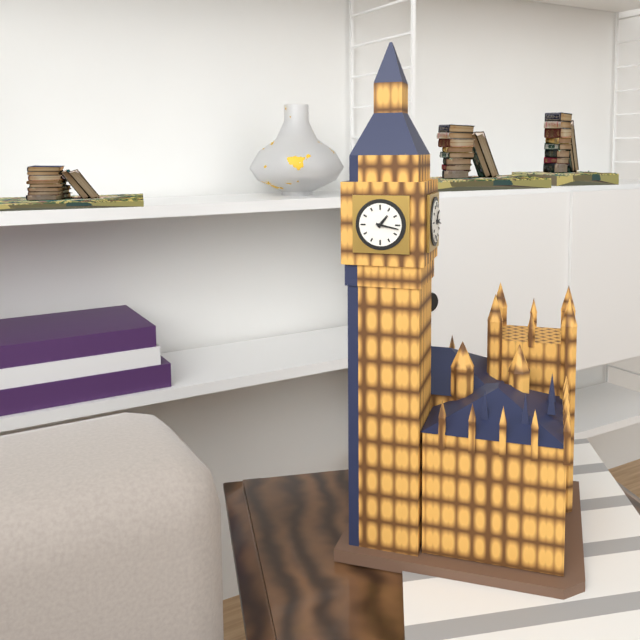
1:17
